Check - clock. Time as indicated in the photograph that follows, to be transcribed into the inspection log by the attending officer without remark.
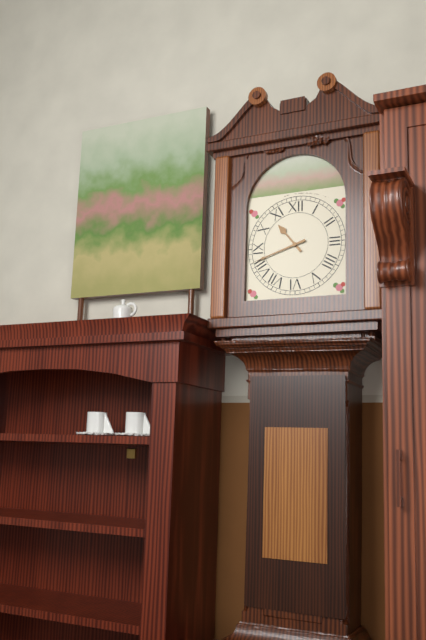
10:42
